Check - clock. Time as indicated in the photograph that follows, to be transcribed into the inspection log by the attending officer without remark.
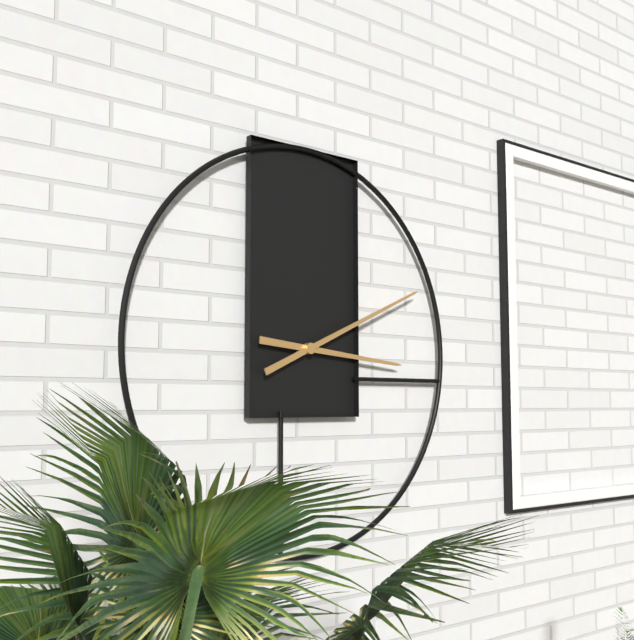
3:11
